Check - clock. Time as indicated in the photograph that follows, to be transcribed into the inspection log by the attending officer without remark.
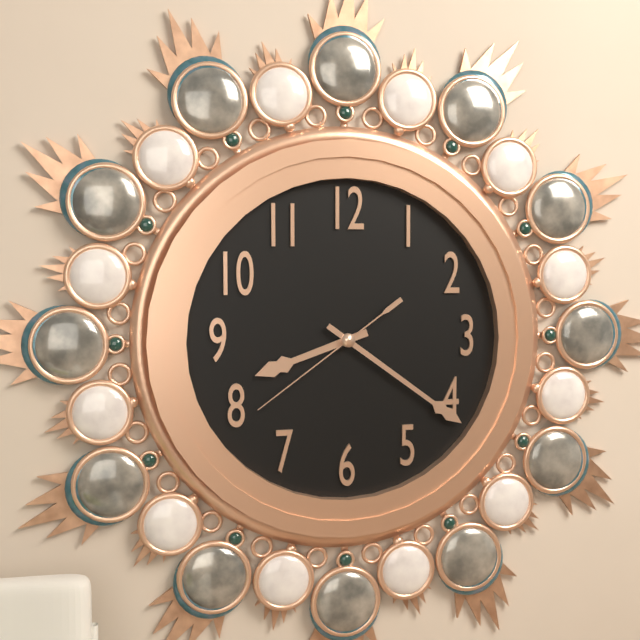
8:21:39
